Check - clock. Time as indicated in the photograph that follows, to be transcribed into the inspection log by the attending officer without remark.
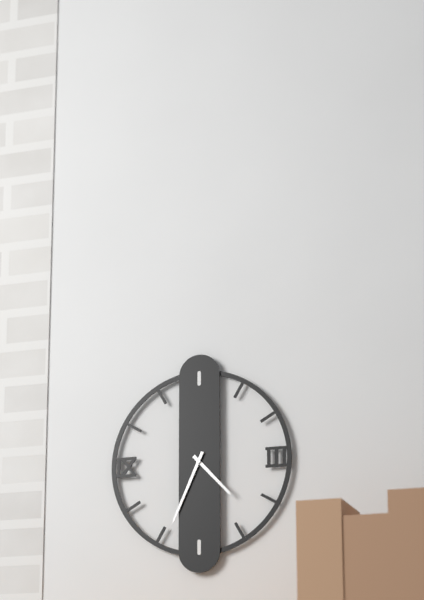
4:34
